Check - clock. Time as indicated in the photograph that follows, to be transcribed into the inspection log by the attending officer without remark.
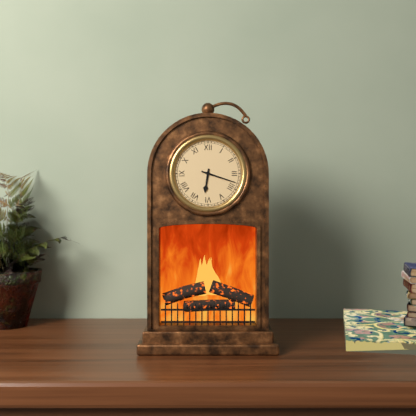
6:18
